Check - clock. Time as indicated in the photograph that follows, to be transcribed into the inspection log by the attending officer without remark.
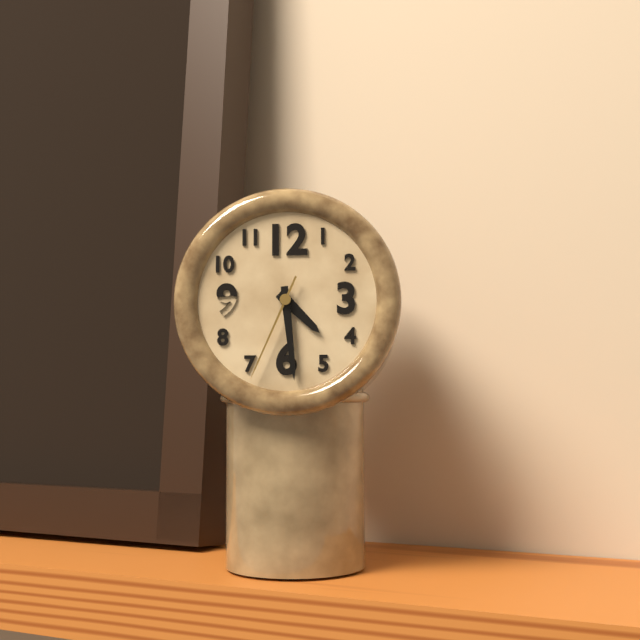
4:29:34
